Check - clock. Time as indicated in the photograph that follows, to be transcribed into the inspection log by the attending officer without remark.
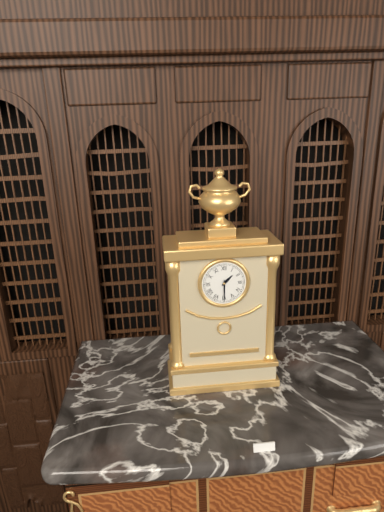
1:30
